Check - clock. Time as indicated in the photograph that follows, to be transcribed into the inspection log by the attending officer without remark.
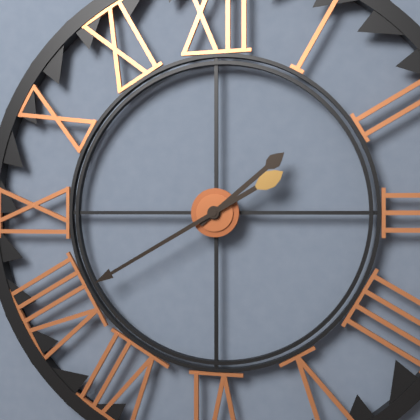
1:40
